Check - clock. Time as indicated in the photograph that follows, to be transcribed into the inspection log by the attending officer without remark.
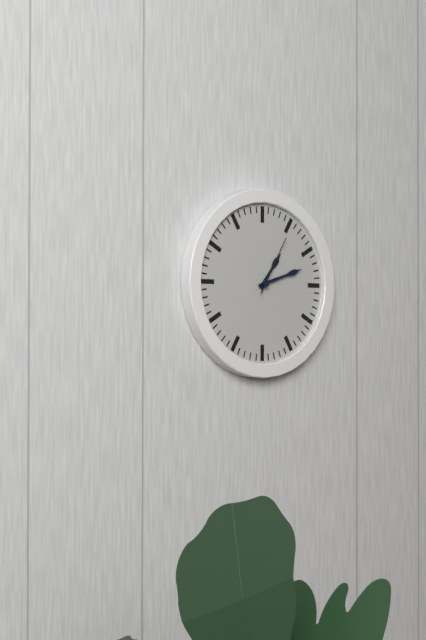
1:12:05
